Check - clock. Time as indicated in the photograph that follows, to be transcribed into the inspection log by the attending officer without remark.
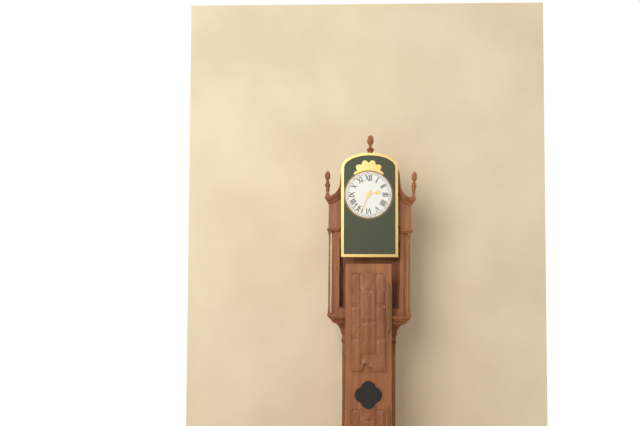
2:34
